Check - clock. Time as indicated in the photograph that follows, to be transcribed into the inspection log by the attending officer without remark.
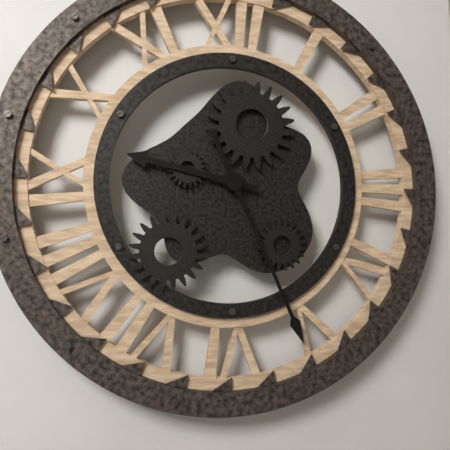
9:26
